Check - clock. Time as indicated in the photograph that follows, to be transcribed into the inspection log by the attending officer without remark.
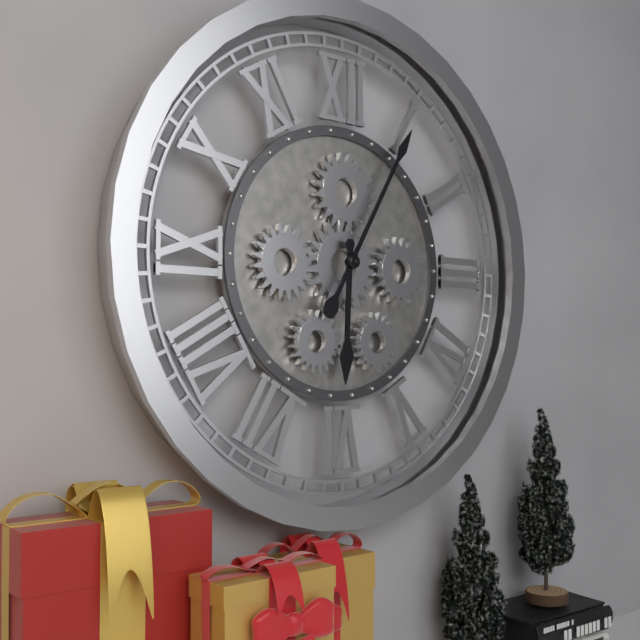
6:05
